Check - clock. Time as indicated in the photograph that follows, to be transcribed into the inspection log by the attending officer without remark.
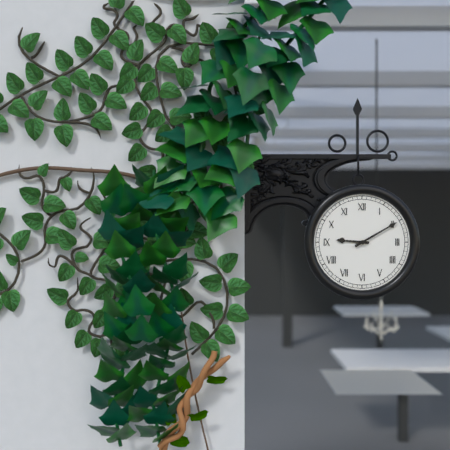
9:10
